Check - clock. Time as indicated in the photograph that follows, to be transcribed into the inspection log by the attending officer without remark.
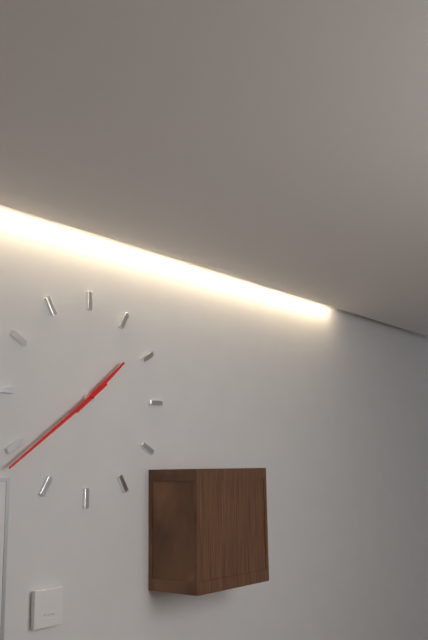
1:39
